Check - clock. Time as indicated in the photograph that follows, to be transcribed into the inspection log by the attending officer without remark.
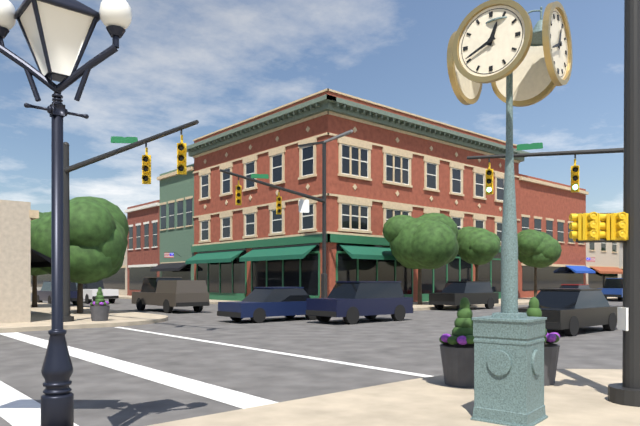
12:41
